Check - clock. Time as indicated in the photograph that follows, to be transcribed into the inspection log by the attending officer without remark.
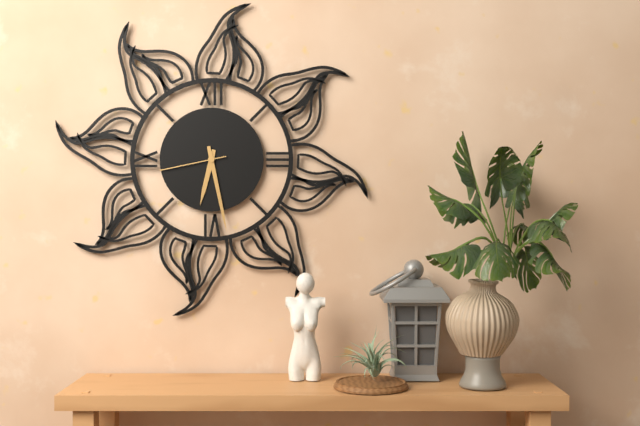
6:28:43
